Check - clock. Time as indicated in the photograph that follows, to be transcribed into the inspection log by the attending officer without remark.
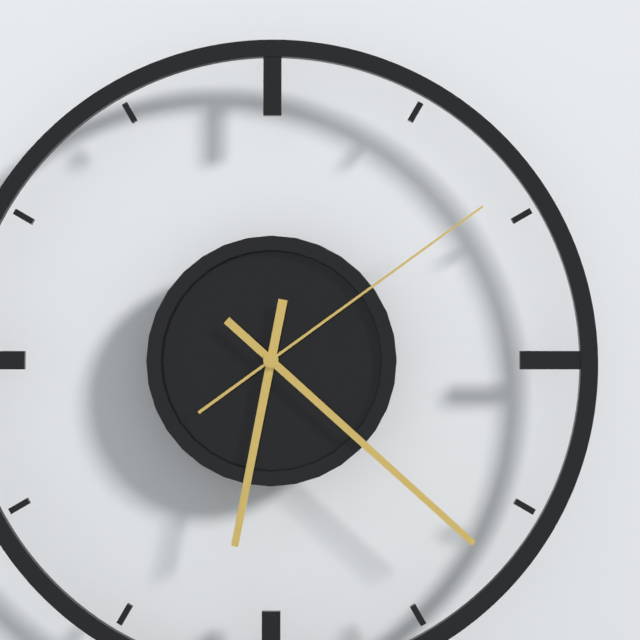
6:22:09
